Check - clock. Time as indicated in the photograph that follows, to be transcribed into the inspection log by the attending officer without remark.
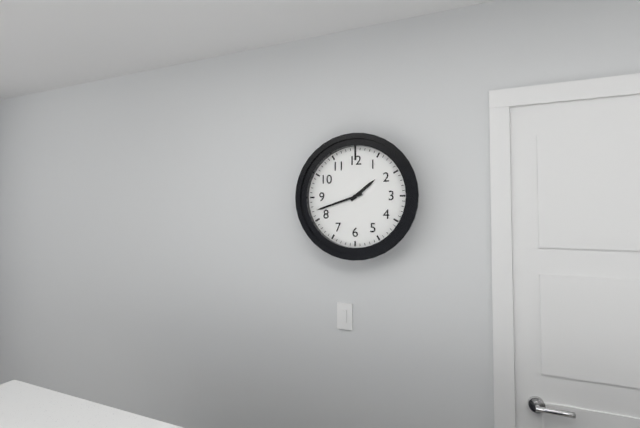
1:42
